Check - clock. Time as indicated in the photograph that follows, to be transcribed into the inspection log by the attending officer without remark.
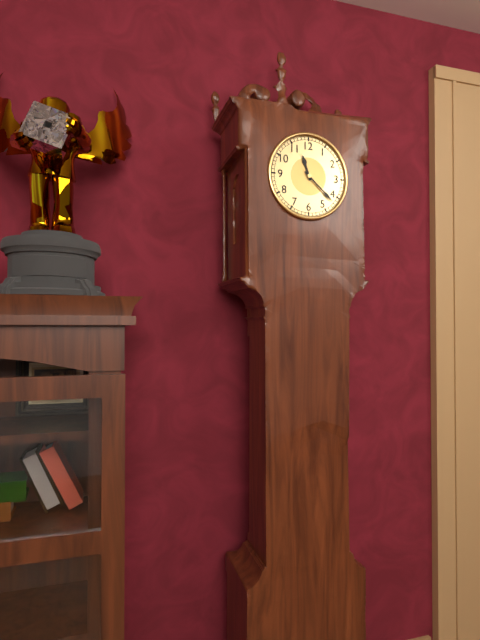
11:22
